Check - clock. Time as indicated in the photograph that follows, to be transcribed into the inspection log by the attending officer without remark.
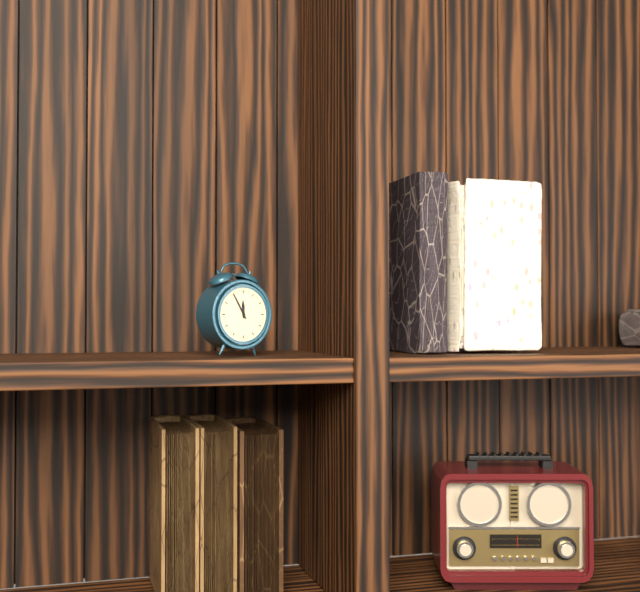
11:55
